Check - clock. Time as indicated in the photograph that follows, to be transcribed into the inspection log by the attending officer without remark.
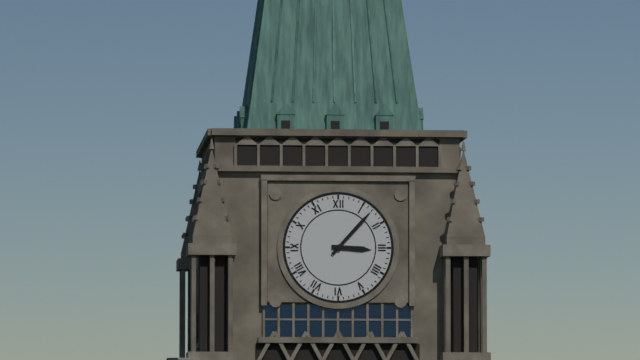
3:07
